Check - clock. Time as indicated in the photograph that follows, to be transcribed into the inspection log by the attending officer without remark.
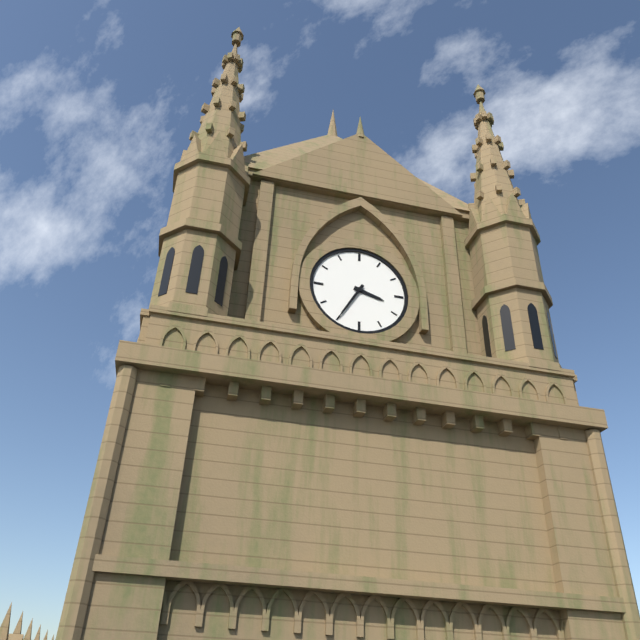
3:35
